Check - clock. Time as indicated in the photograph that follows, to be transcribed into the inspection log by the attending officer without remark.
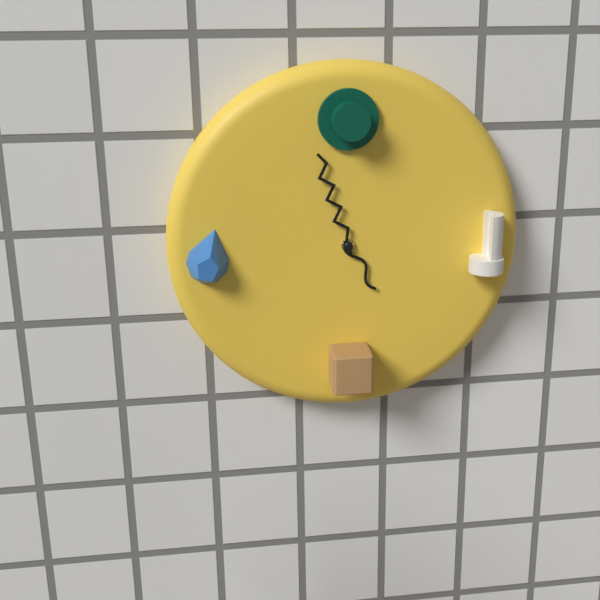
4:57
